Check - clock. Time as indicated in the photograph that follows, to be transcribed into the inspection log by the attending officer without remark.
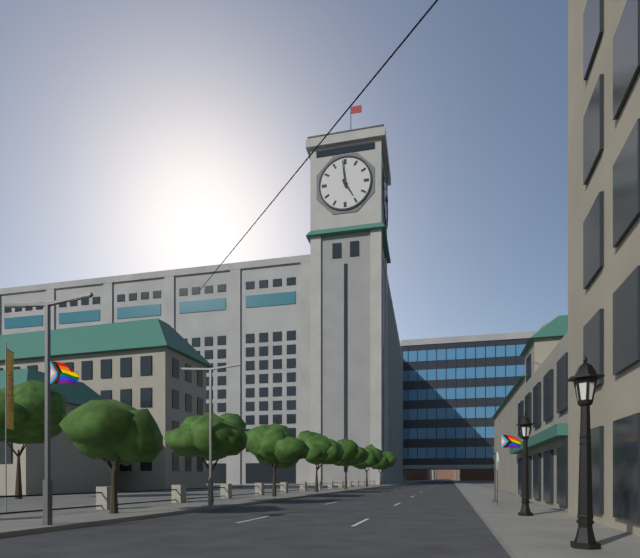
4:59
